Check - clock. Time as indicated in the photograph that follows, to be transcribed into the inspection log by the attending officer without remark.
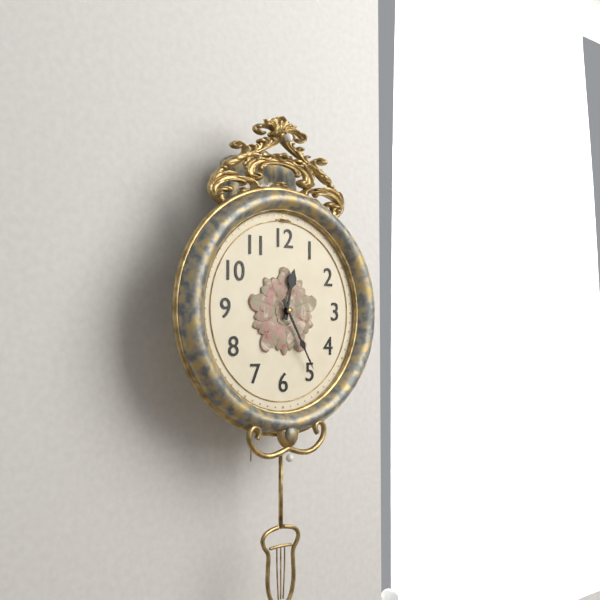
12:25
